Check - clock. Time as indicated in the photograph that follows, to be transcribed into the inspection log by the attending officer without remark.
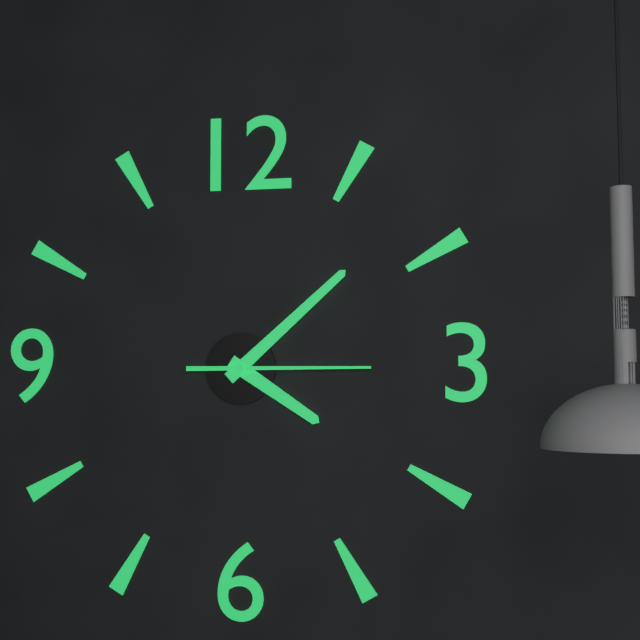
4:08:15
